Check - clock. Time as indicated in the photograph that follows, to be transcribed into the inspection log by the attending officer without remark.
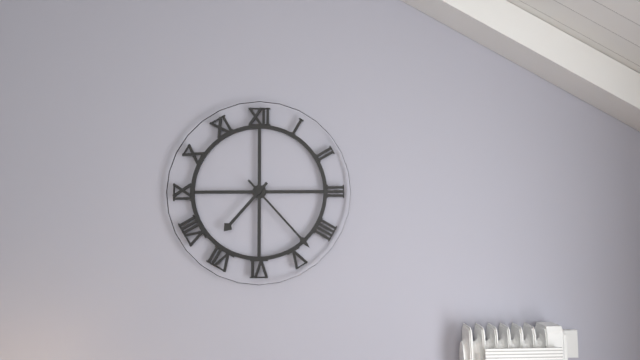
7:23
